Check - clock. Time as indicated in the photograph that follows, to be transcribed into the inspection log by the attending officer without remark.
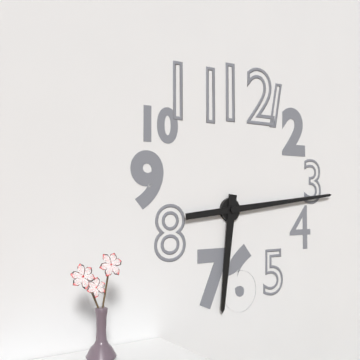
6:14
